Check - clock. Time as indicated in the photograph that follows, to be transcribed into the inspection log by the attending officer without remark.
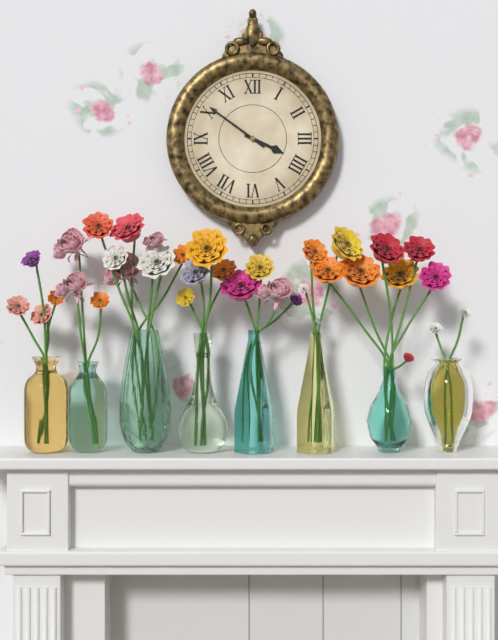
3:51
